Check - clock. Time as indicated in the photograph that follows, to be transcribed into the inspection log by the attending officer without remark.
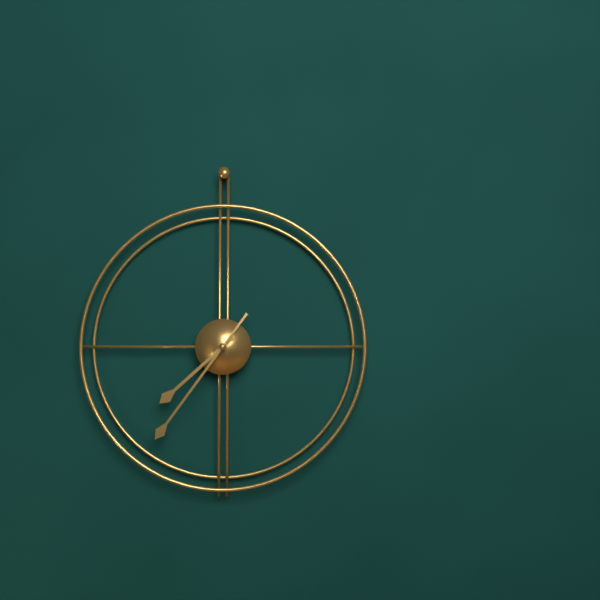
7:36
